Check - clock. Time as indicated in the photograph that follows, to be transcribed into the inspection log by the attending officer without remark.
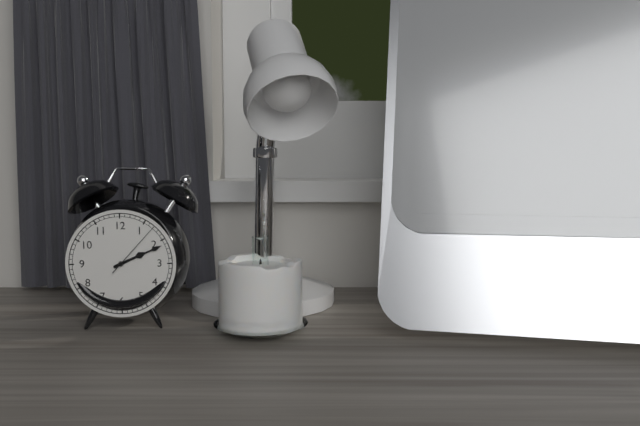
2:11:07
